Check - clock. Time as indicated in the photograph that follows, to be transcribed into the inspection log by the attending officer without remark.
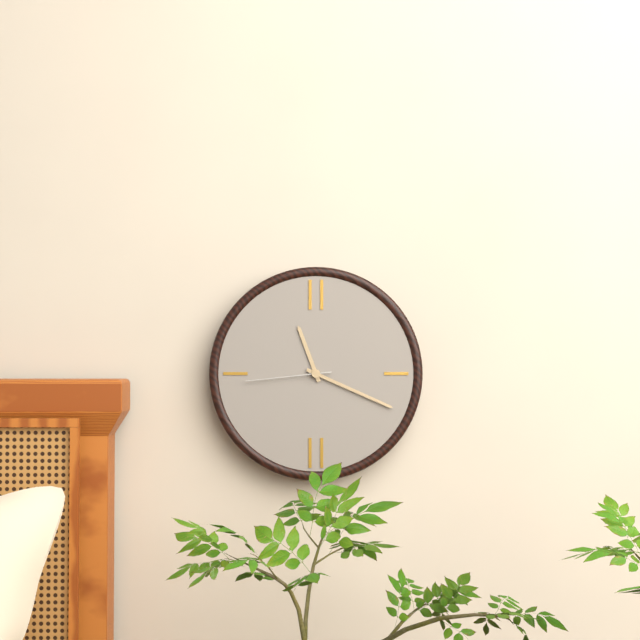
11:19:44
